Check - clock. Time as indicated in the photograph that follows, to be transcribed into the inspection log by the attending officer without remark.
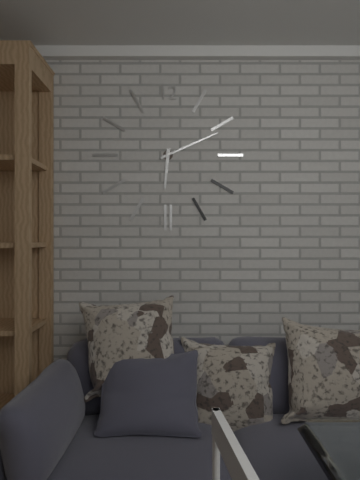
6:11
